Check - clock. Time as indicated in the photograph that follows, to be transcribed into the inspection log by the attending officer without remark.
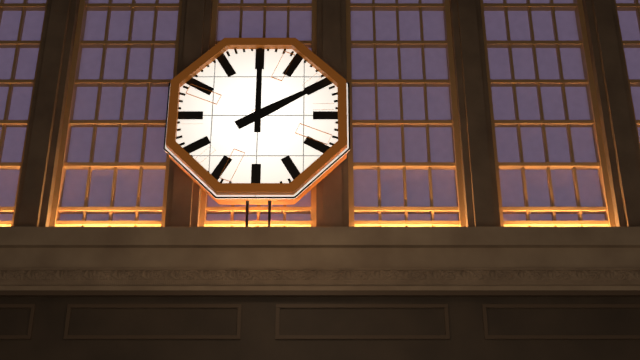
2:00
